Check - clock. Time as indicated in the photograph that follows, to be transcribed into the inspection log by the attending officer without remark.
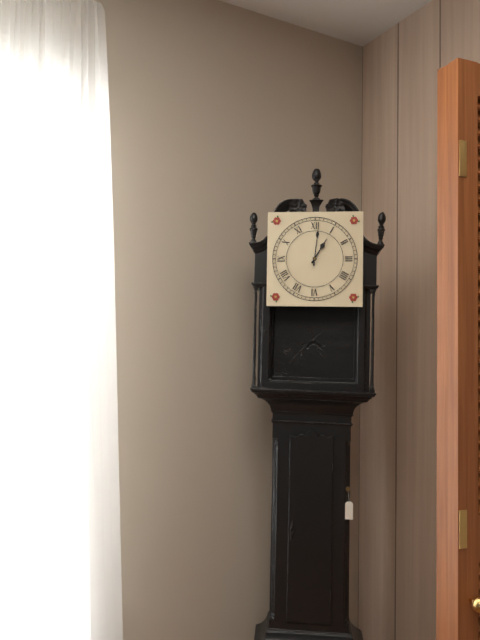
1:01
